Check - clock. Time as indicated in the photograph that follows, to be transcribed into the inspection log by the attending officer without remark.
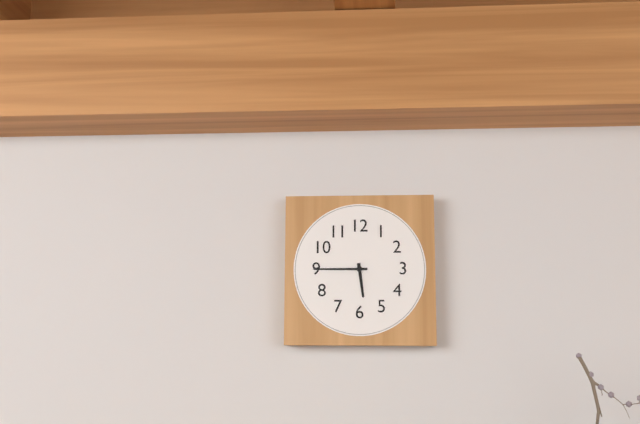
5:45
